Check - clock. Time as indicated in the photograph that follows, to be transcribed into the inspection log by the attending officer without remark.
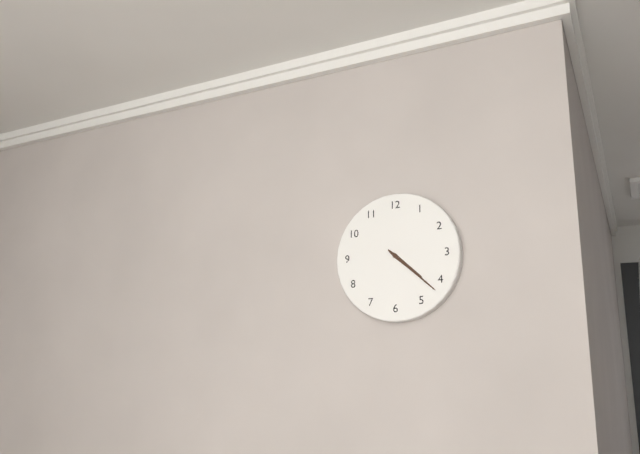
4:22
